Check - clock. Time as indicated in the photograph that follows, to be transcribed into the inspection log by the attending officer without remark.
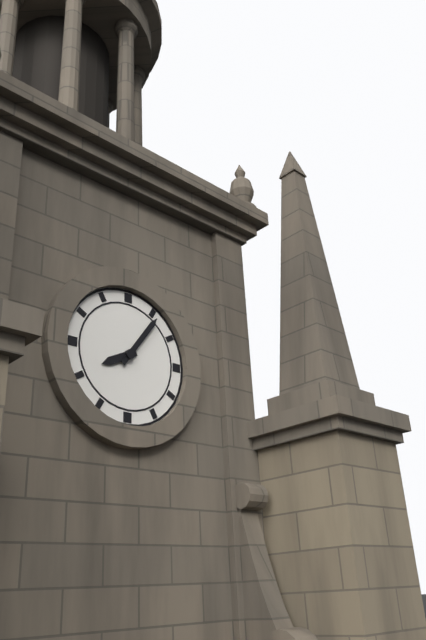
8:06
